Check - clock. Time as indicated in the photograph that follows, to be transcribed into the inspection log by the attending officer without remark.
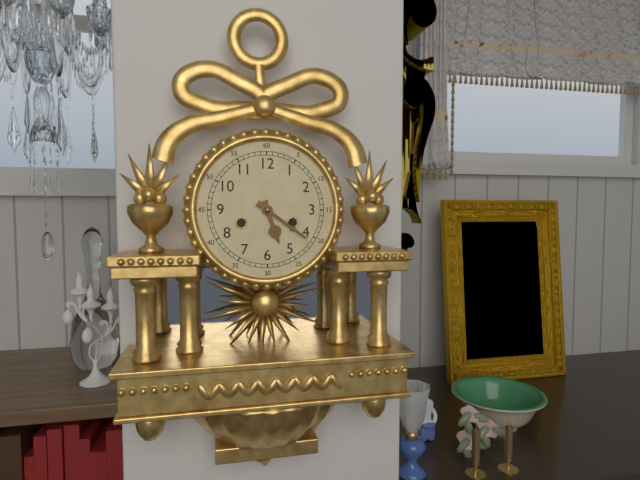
5:21
